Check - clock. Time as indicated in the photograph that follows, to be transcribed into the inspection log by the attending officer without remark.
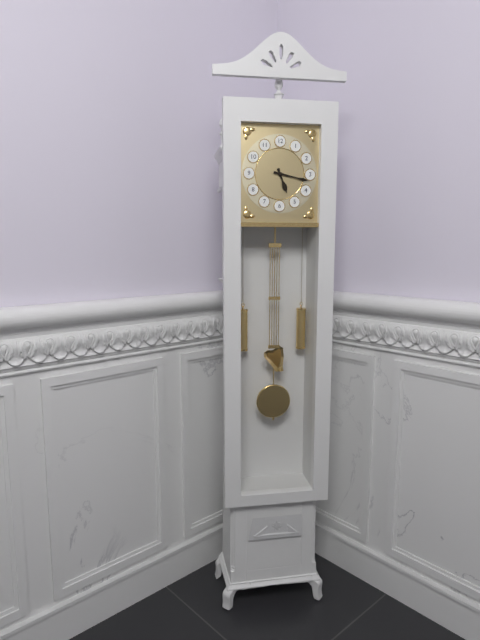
5:17
